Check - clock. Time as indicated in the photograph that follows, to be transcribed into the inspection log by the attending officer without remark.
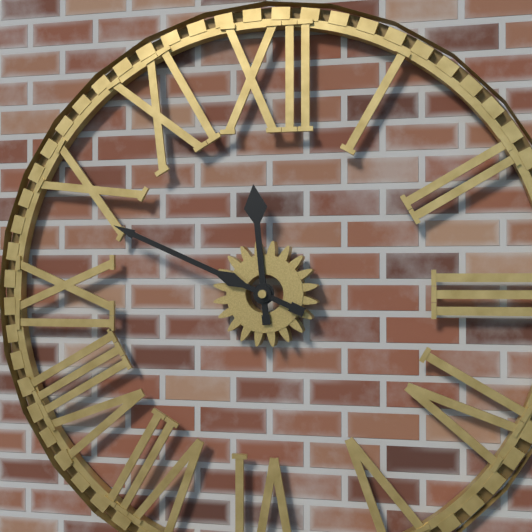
11:49
